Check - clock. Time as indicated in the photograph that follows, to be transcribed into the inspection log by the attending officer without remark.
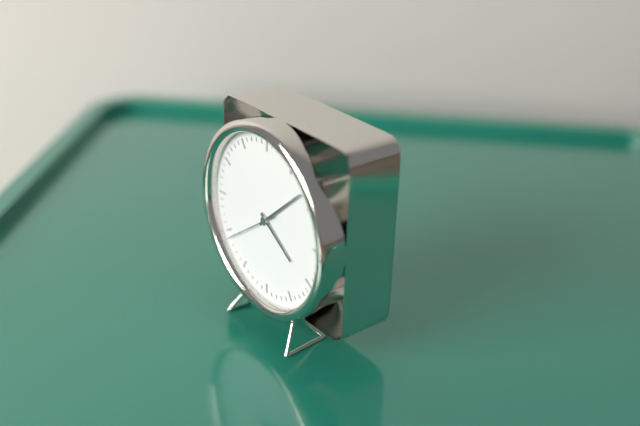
4:08:39
